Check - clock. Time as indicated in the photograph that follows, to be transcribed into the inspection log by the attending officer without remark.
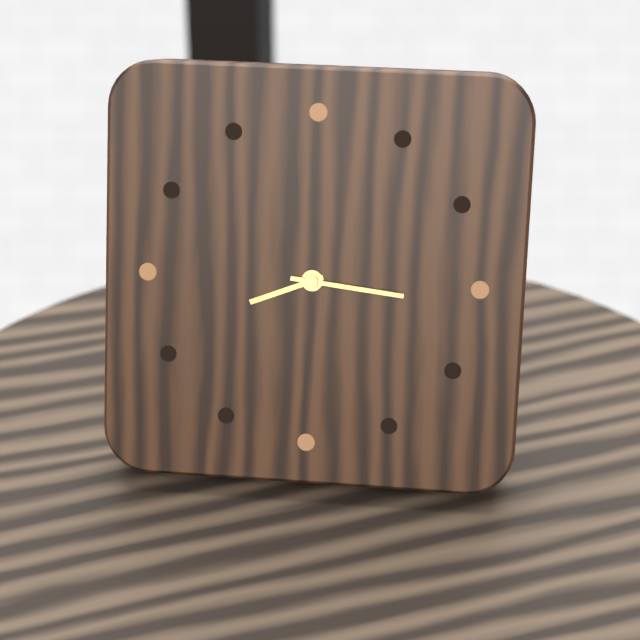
8:16
